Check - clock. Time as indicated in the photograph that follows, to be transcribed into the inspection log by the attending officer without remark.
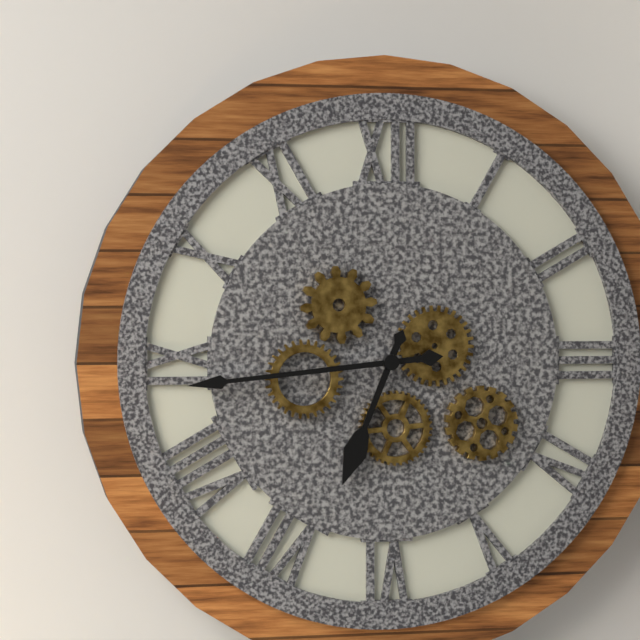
6:44
